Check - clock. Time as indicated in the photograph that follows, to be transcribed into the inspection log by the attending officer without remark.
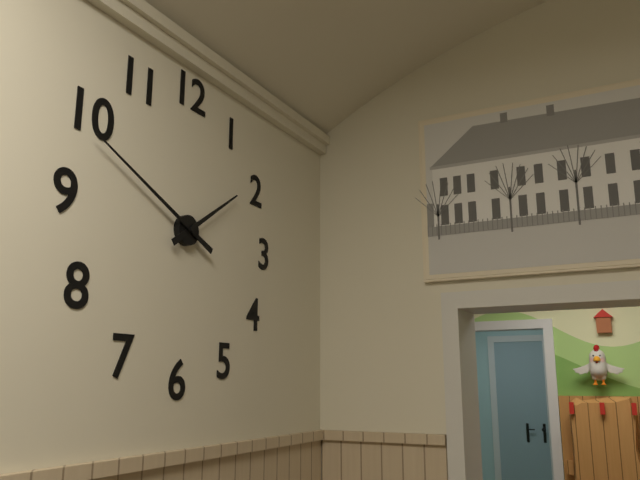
1:49
